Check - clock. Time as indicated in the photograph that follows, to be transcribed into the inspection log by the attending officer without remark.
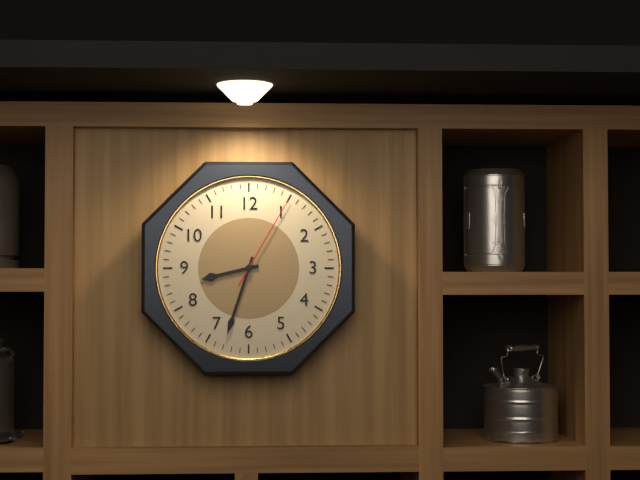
8:33:05
